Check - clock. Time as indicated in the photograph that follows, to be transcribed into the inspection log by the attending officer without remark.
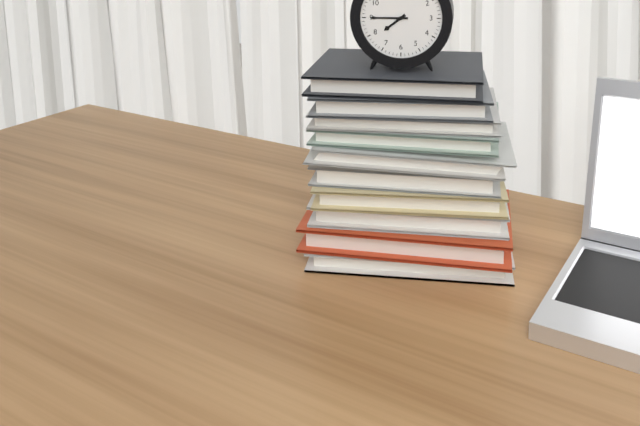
7:45
